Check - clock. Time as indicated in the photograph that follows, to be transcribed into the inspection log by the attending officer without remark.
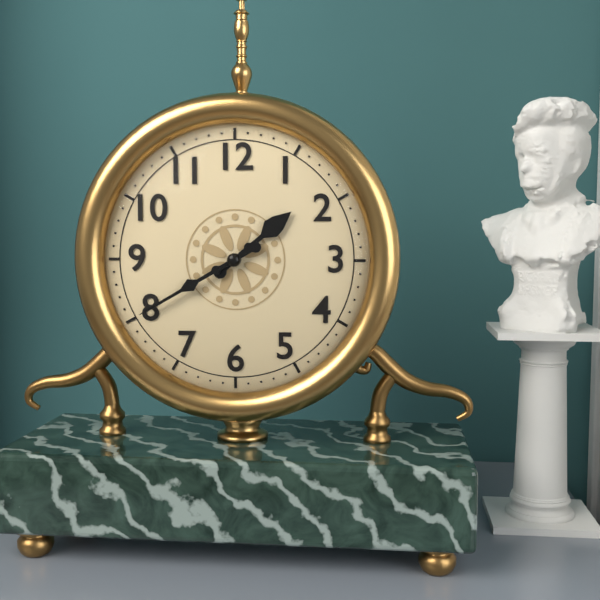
1:40
